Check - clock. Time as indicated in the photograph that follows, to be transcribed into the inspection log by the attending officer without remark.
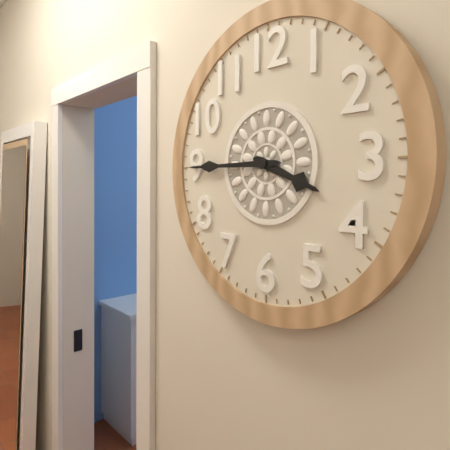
3:45
